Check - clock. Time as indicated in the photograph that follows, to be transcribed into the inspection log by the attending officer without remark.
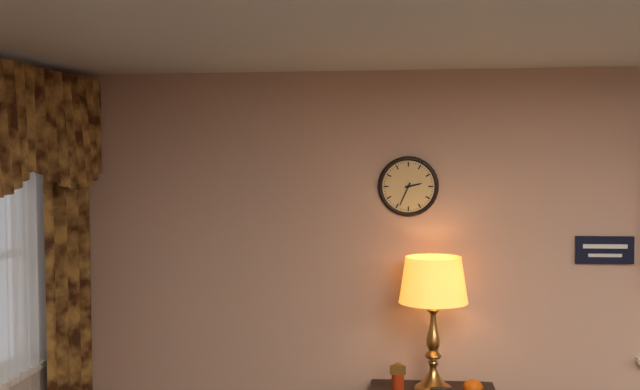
2:34
